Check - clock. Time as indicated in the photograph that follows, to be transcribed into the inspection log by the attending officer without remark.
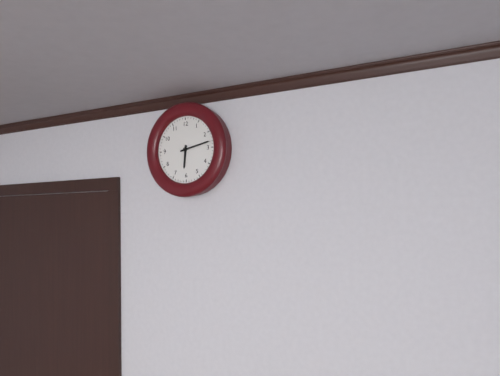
6:13
